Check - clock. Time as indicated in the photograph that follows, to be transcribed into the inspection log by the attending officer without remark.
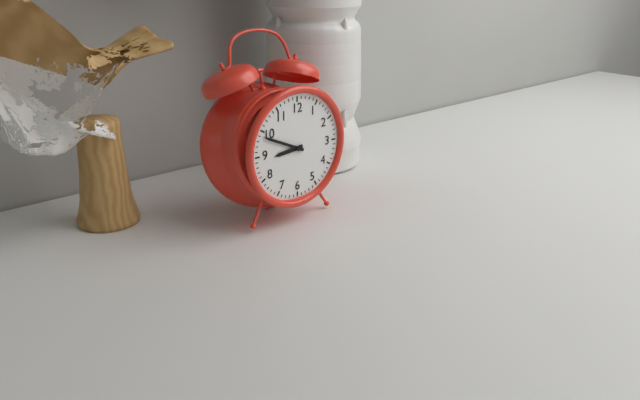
8:49
